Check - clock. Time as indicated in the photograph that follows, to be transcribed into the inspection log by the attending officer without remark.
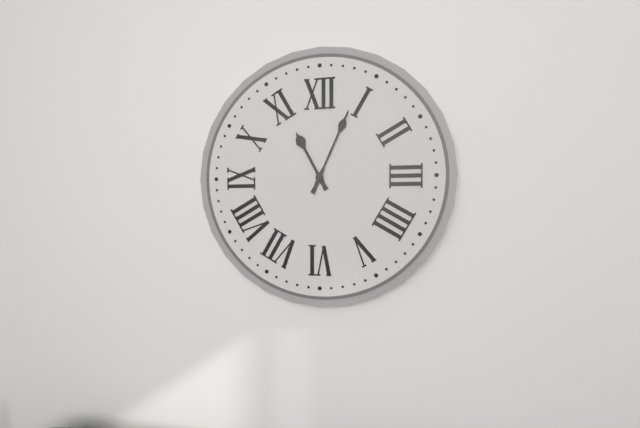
11:04
